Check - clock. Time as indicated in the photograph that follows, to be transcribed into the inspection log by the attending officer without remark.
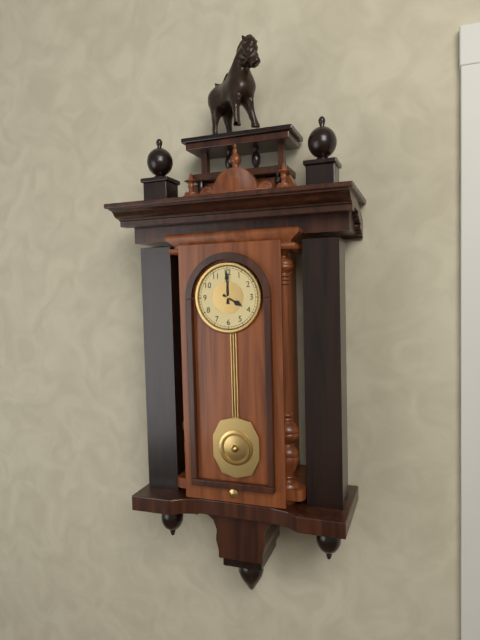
4:00
